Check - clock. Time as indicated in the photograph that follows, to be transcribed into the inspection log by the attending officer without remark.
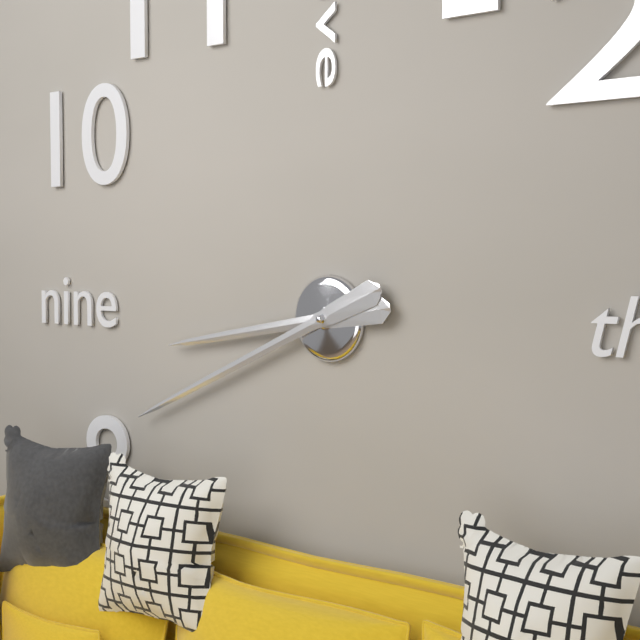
8:41
